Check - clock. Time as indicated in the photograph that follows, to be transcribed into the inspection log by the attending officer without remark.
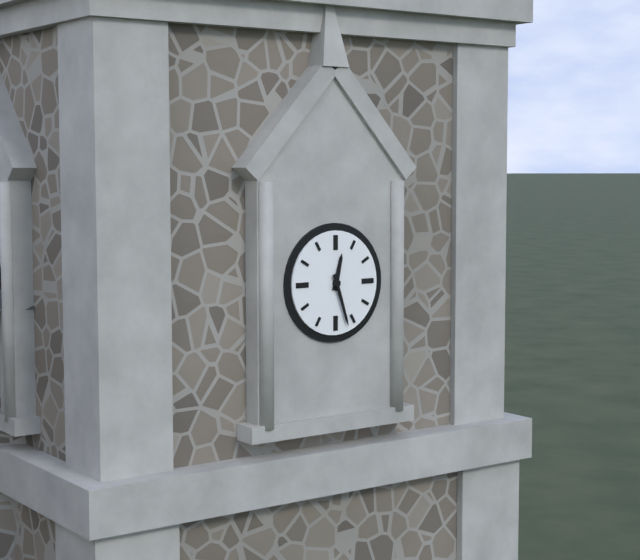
12:27
